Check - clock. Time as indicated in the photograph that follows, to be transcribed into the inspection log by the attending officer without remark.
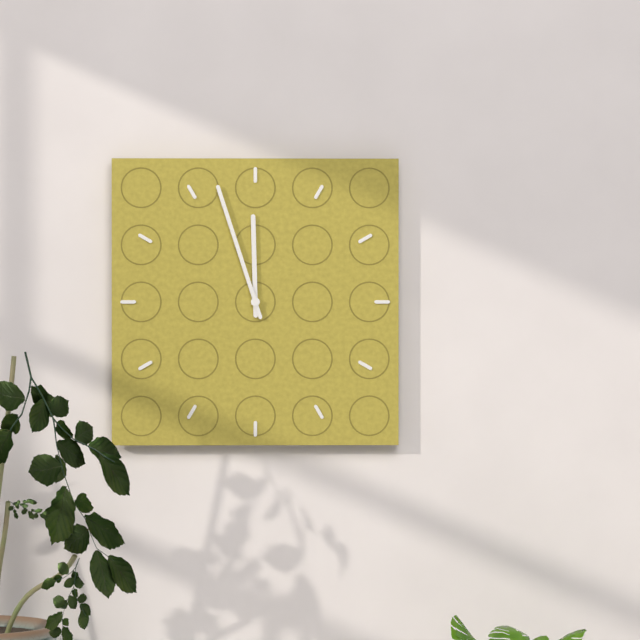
11:57
